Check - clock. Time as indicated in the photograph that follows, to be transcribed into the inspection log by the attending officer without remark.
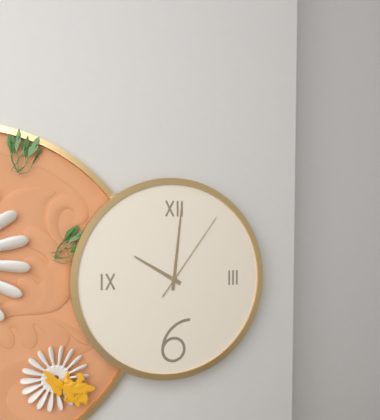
10:01:06
